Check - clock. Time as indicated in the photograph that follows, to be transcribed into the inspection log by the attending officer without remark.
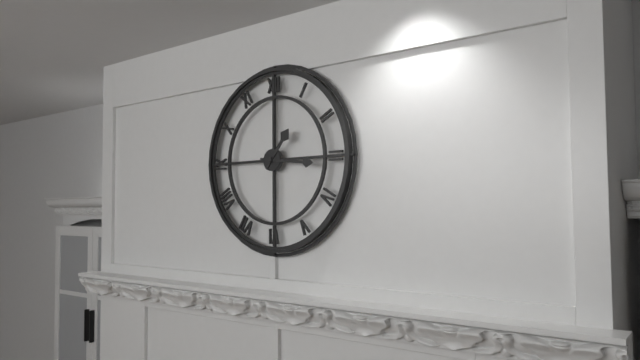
1:16
